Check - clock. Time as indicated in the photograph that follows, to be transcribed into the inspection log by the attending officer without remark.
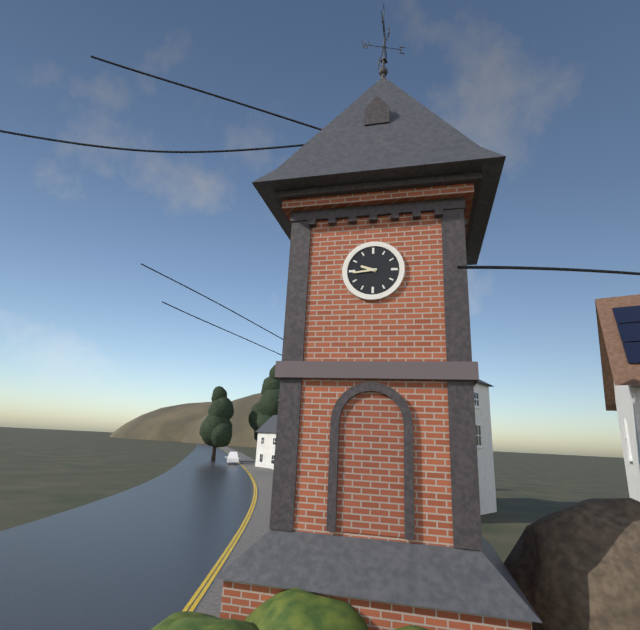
9:44
